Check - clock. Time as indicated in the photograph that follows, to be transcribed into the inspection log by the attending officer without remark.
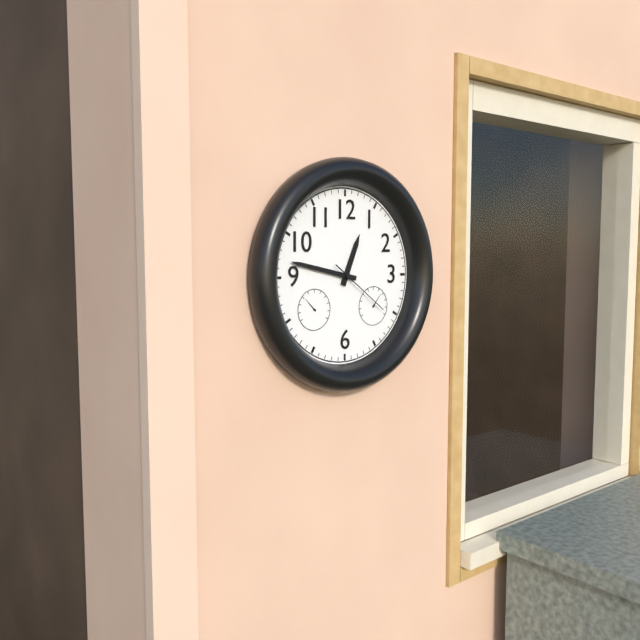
12:47:21
